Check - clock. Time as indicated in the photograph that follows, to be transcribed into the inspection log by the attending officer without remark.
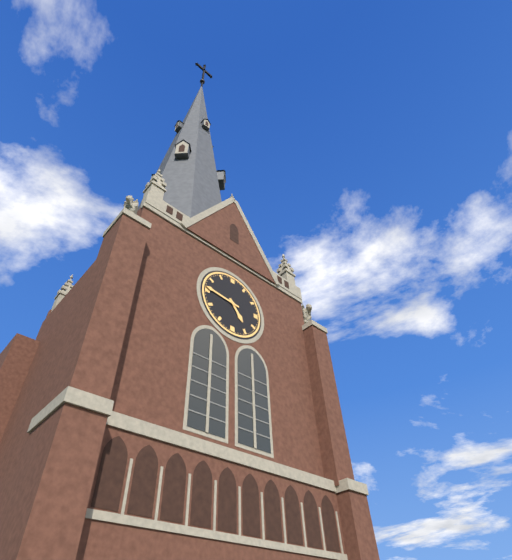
4:46
